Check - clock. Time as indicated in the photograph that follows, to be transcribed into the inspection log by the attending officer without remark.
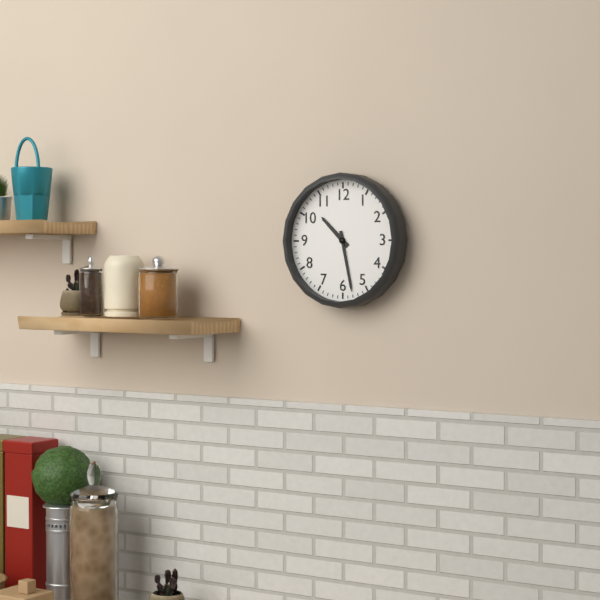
10:28
